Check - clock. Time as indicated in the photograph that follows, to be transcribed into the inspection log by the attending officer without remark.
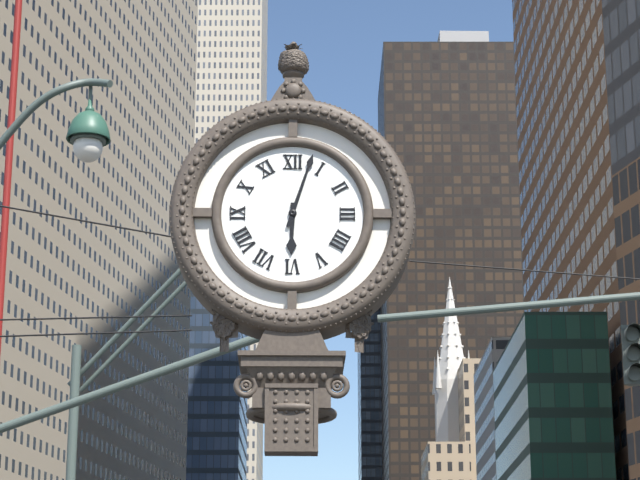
6:03
